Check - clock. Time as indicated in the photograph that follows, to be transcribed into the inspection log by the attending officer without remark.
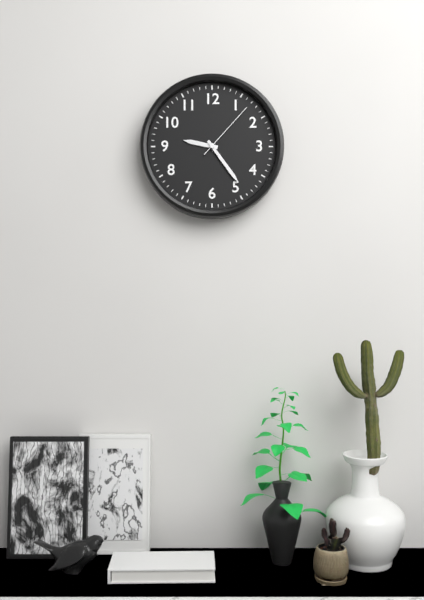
9:24:07
